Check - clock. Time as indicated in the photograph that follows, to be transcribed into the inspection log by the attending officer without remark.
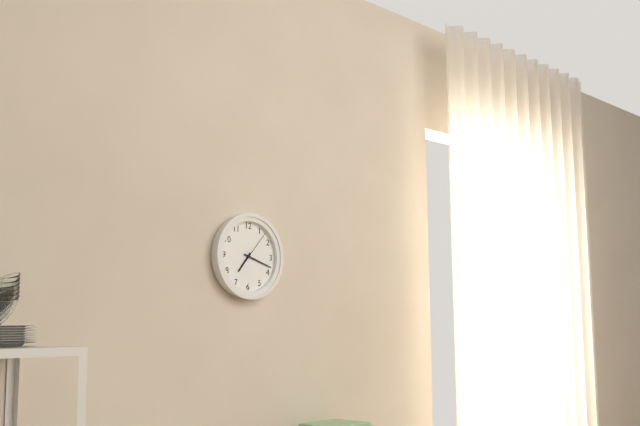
7:18
